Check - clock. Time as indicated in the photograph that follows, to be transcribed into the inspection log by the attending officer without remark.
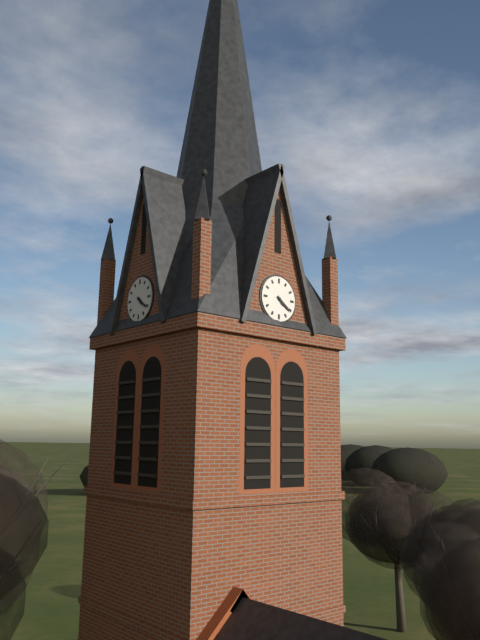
4:21
